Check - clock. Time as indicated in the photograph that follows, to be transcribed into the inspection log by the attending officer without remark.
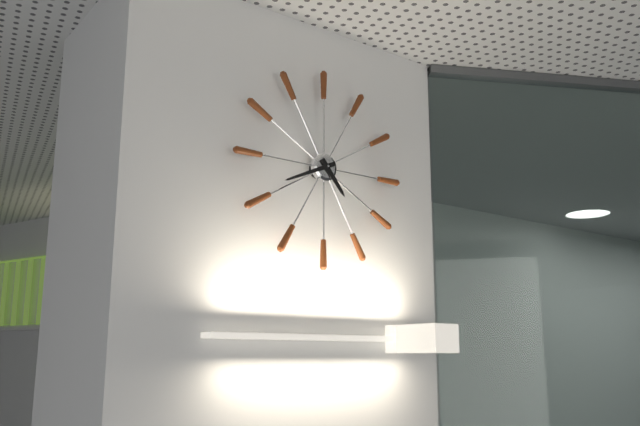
4:41
